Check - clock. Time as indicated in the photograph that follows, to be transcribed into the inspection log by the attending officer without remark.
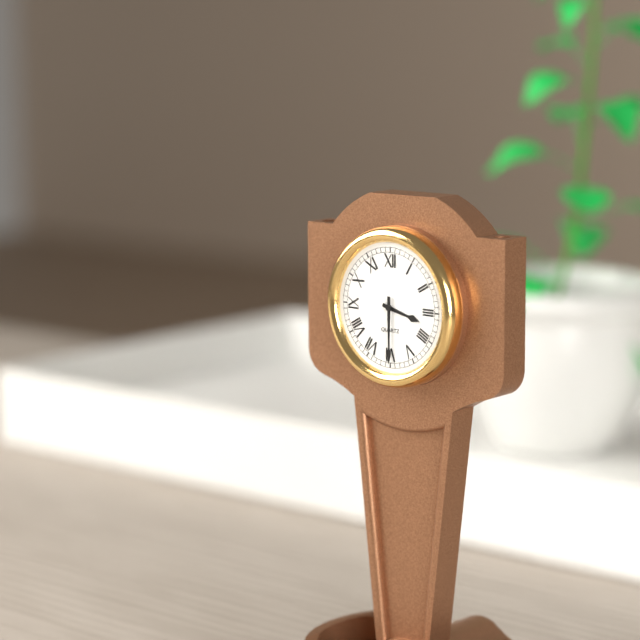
3:30
